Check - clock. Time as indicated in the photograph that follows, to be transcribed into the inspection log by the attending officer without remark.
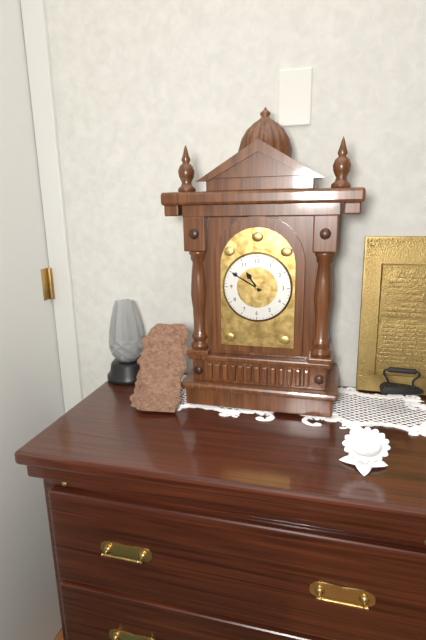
10:50
